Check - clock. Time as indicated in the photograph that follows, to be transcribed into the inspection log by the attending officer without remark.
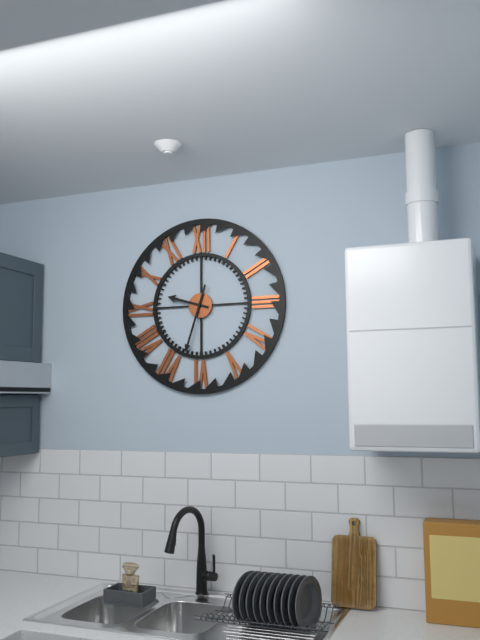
9:33
